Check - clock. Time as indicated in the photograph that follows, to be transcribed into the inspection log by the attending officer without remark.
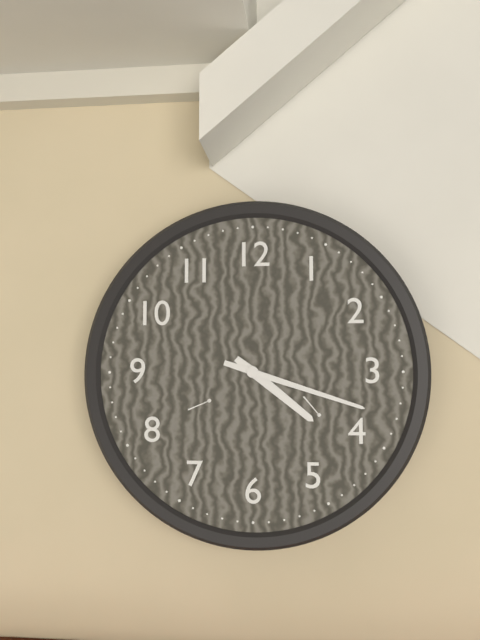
4:18
